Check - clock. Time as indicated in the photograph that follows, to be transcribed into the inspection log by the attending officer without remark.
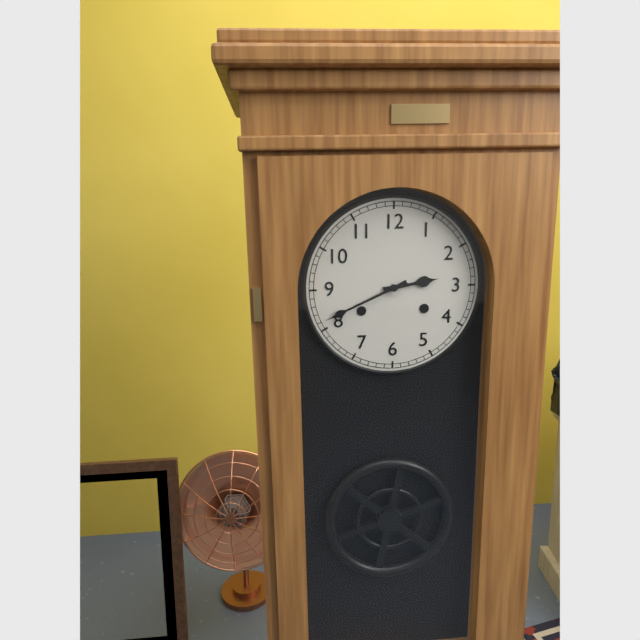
2:41
